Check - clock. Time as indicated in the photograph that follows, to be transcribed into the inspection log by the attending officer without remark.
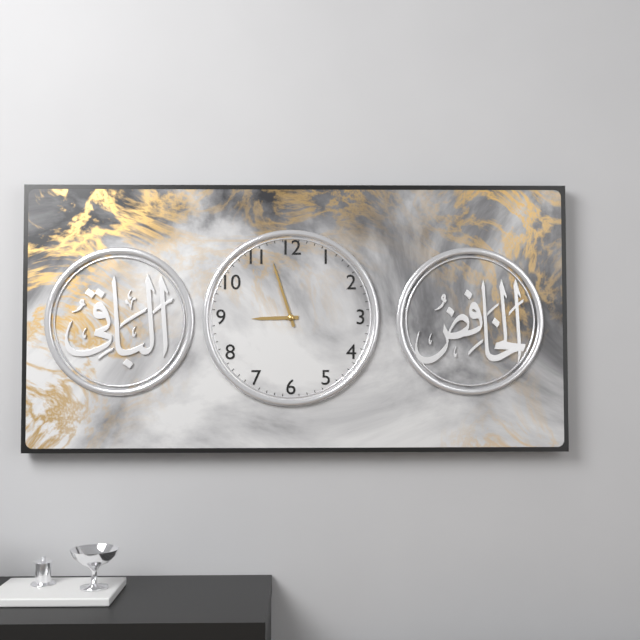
8:57
